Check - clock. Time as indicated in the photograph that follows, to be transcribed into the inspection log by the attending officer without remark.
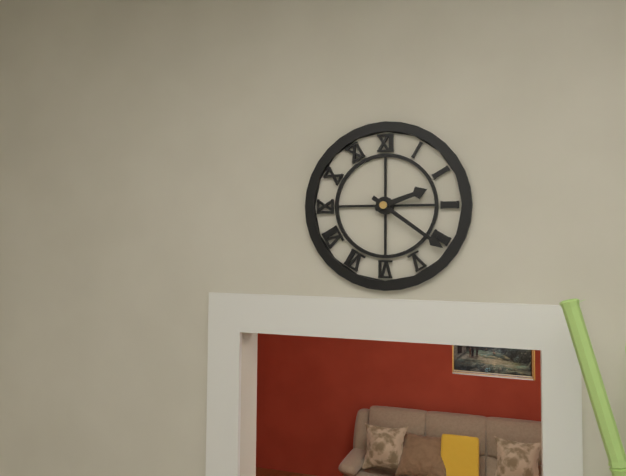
2:21
